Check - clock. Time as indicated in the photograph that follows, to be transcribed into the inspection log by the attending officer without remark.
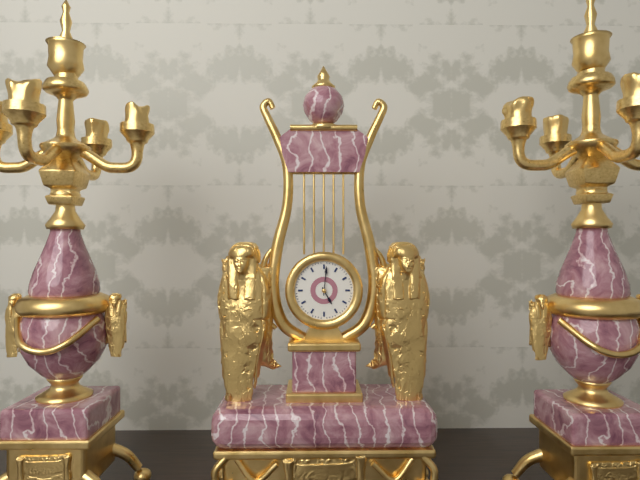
5:01
